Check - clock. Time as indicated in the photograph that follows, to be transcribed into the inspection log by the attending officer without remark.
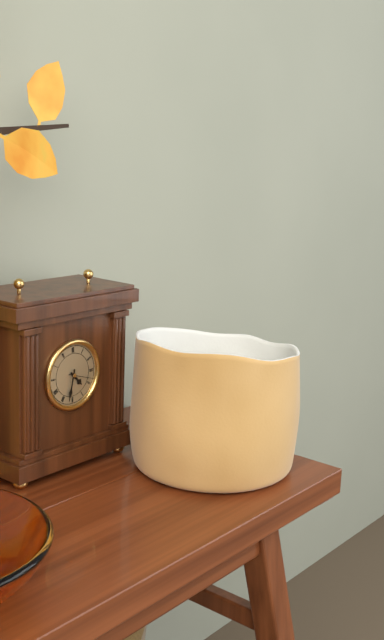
4:32
